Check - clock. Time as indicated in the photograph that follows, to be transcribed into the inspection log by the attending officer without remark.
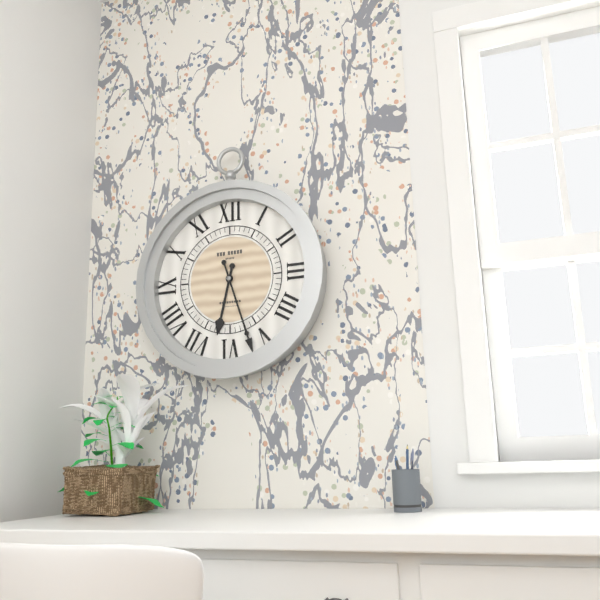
6:27
